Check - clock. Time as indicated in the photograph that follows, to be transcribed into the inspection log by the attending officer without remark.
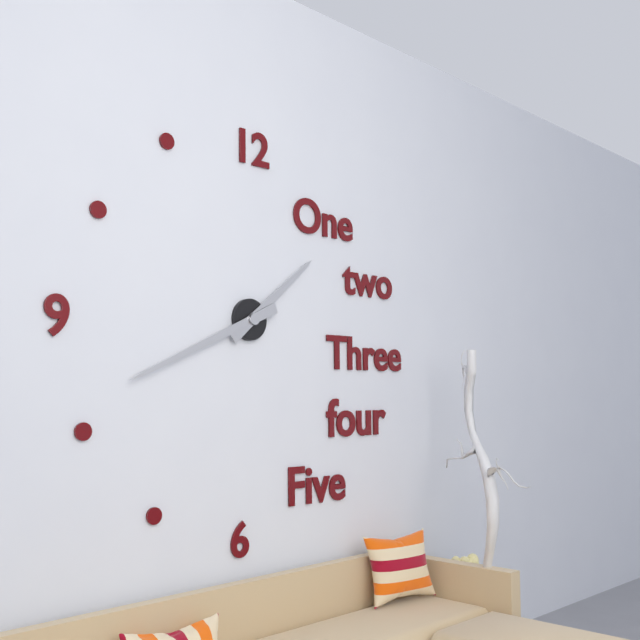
1:41
